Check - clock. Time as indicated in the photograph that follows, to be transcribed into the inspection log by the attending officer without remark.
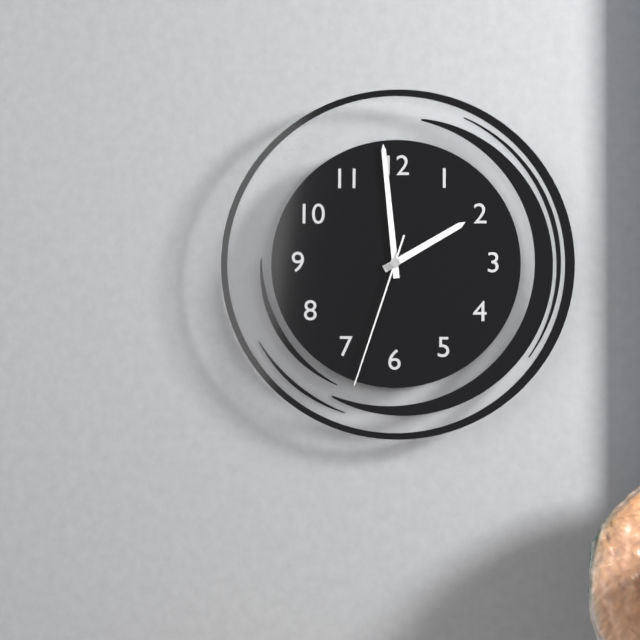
1:59:33
